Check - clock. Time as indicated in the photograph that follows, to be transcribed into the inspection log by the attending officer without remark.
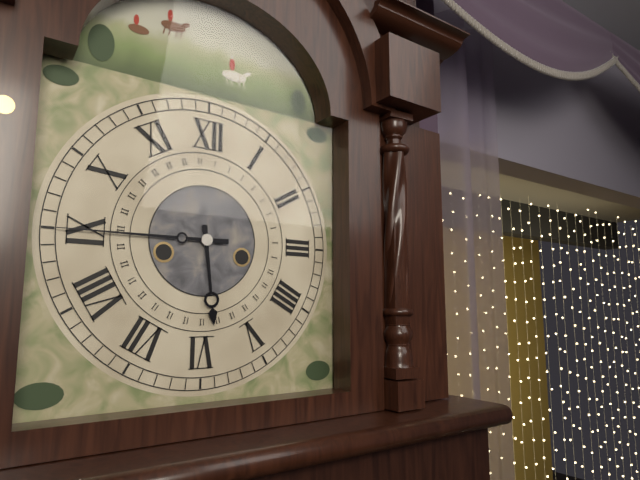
5:45
